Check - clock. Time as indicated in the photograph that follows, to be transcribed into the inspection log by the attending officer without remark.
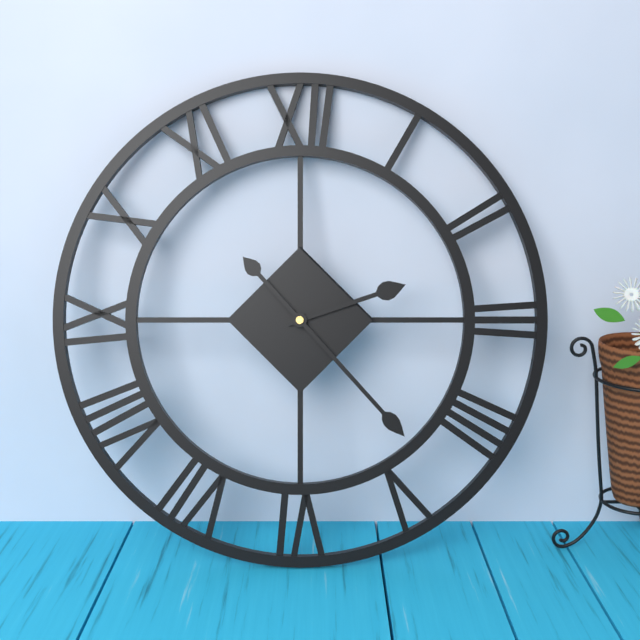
2:23
